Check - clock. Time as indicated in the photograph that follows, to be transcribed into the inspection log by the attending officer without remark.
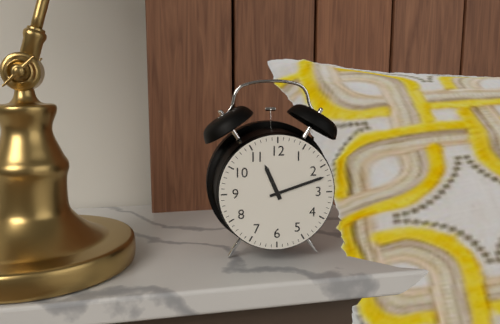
11:12
